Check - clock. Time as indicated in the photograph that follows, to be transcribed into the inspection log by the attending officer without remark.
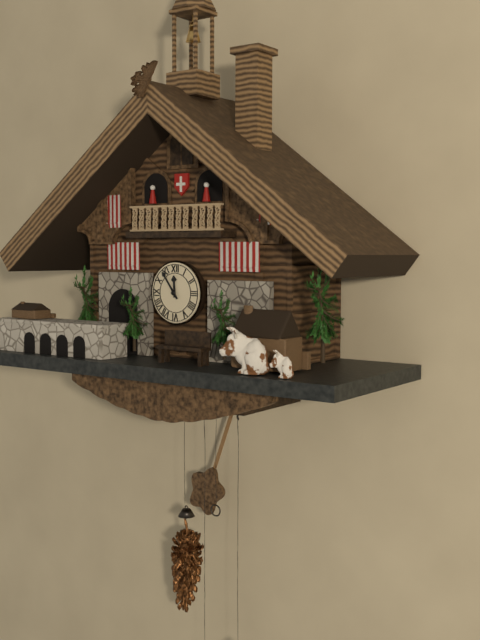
11:54
